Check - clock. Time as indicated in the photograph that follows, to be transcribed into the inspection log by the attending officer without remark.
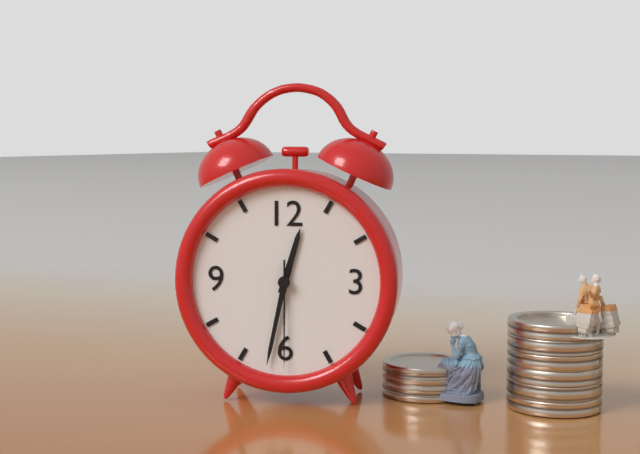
12:32:30
